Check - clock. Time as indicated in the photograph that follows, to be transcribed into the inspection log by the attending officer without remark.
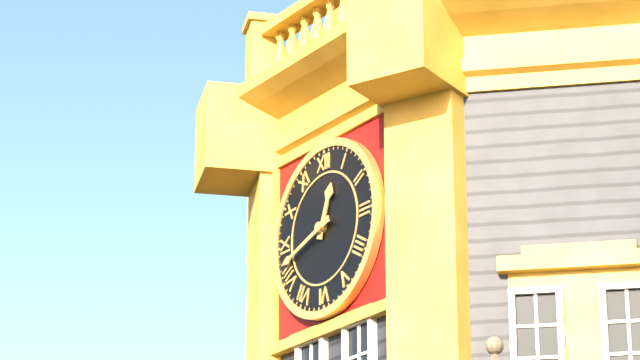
12:42
